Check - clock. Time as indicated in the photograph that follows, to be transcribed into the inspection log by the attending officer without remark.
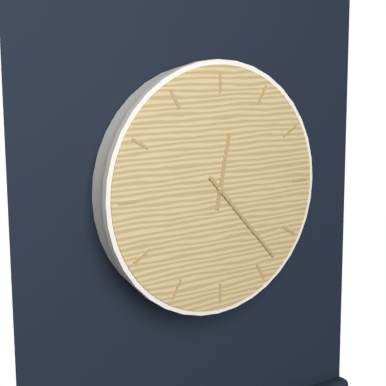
12:23
